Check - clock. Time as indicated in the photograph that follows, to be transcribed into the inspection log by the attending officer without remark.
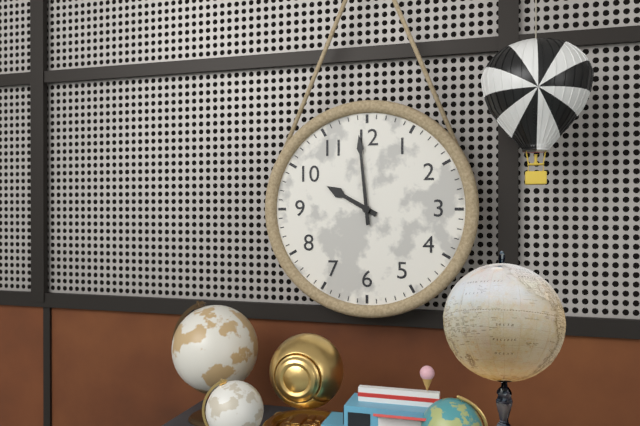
9:59
